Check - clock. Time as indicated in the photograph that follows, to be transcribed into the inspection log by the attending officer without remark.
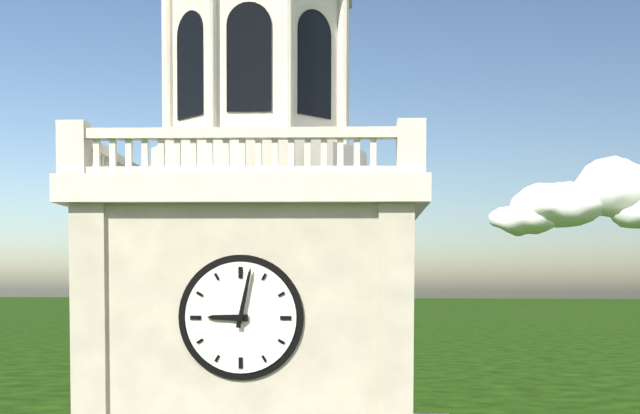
9:02
